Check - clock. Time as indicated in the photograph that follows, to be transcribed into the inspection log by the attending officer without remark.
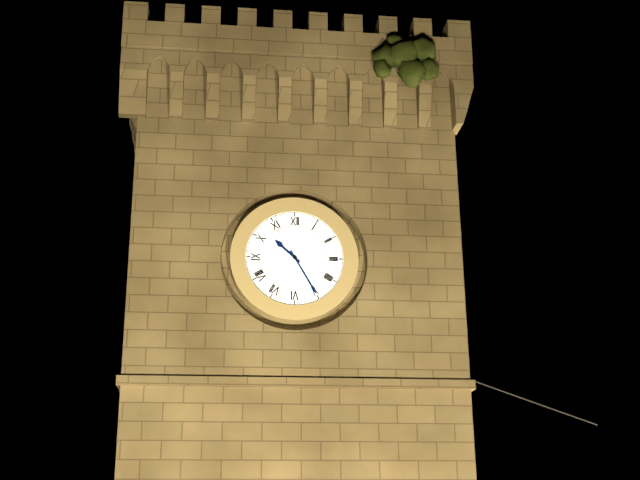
10:25
